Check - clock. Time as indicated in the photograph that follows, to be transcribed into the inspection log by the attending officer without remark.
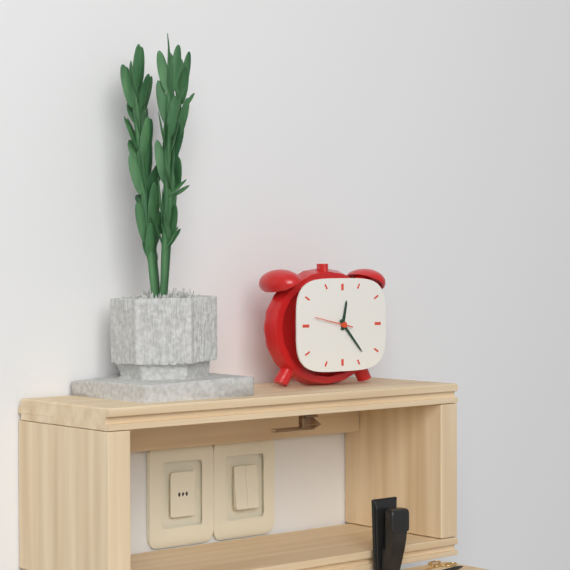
12:23
